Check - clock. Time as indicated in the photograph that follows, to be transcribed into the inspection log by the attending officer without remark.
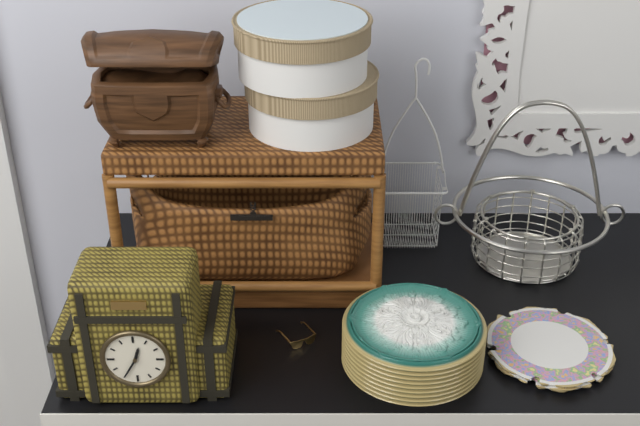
12:35
